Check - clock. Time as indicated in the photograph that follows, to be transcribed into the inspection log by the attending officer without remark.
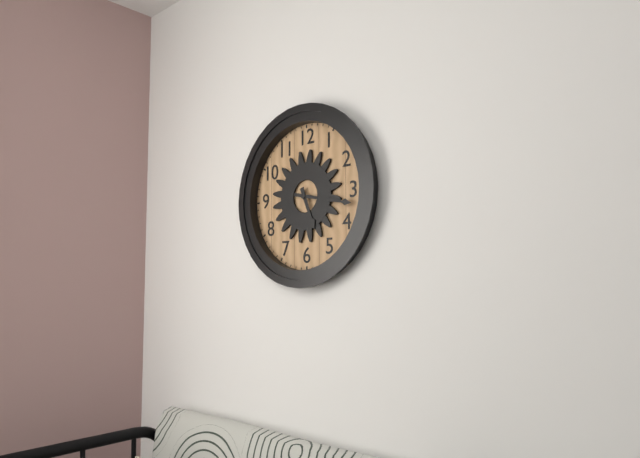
5:17
